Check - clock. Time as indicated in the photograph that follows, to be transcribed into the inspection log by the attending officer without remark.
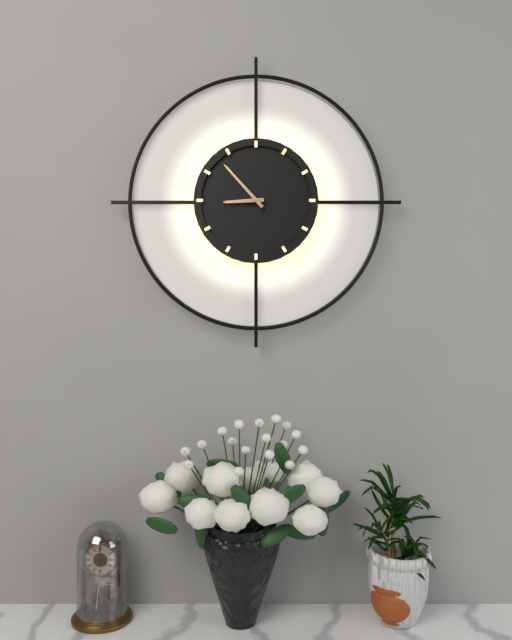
8:53
